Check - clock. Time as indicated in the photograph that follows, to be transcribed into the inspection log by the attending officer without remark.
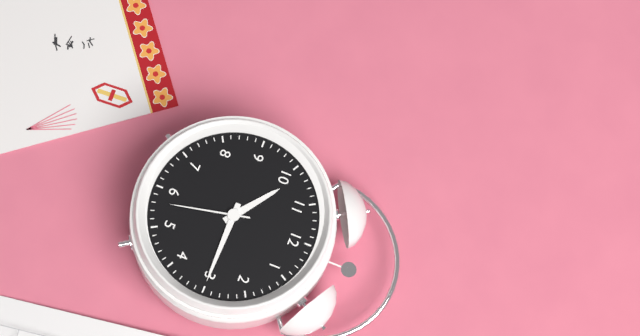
10:15:28
